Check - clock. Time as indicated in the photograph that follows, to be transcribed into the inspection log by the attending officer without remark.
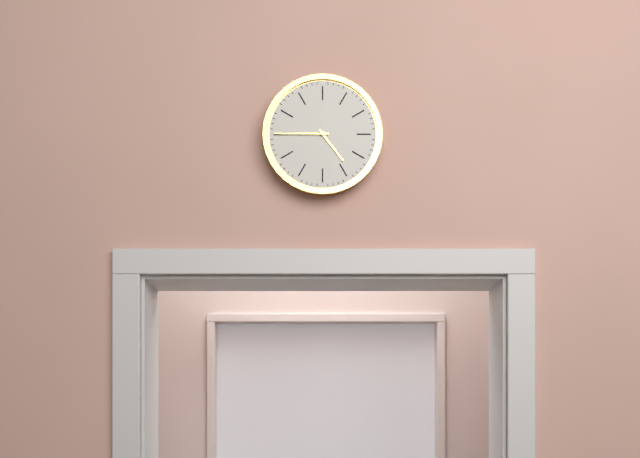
4:45
